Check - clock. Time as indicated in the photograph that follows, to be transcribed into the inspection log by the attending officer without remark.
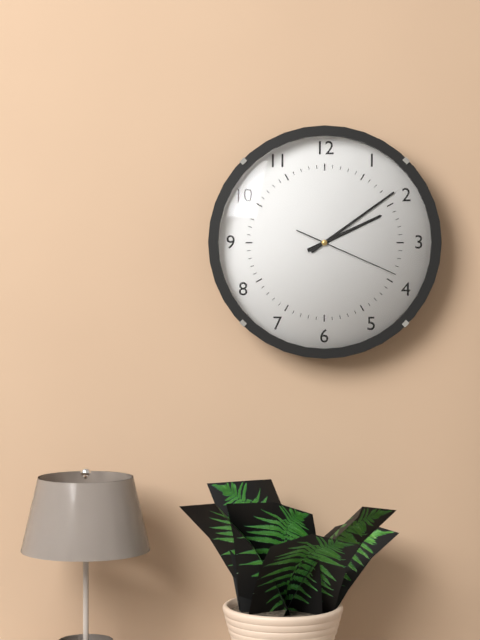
2:09:19
